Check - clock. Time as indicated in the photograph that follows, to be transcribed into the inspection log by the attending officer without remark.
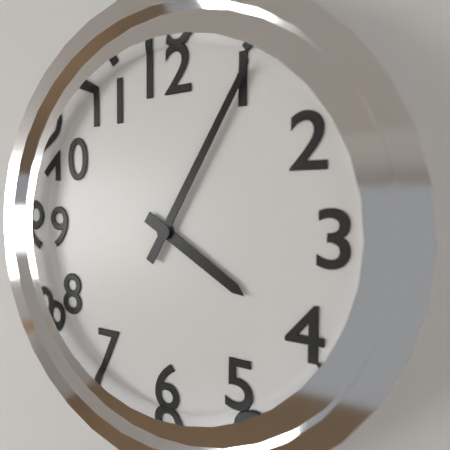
4:05
